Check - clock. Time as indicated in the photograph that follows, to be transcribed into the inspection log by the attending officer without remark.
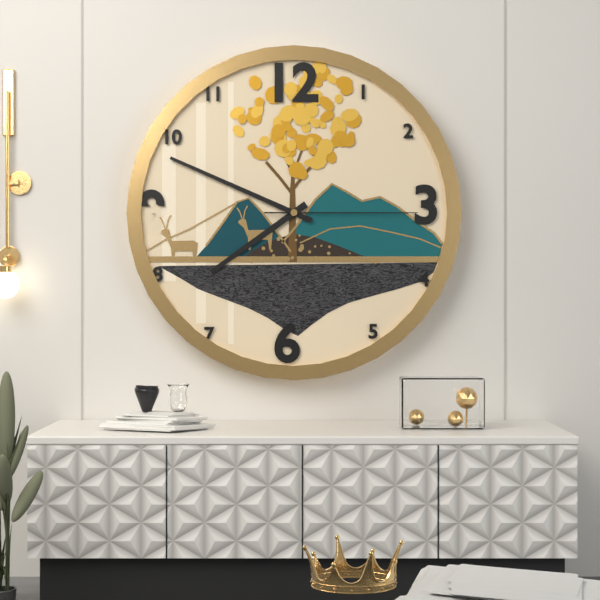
7:49:15
